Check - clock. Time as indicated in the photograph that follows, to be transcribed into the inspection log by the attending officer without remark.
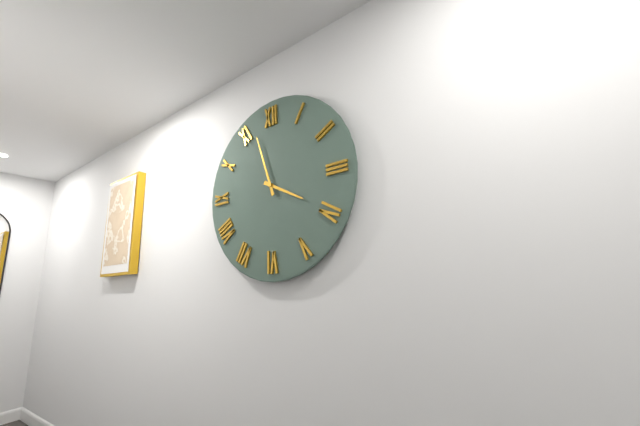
3:57
